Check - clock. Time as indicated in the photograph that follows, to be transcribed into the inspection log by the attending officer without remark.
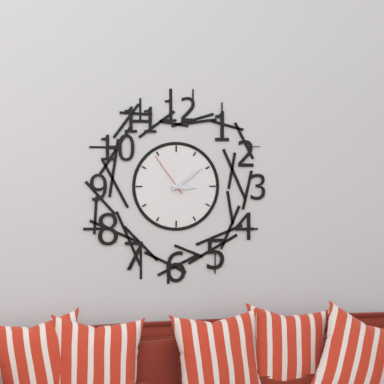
3:09
